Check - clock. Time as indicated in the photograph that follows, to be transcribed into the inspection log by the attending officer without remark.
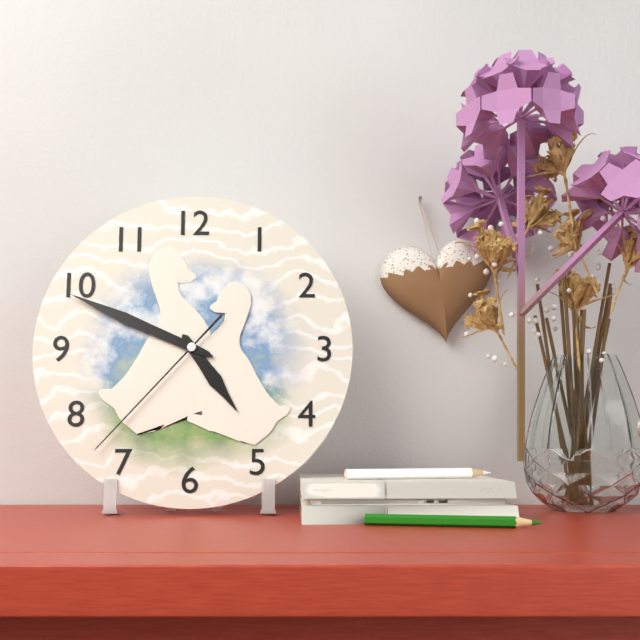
4:49:37
